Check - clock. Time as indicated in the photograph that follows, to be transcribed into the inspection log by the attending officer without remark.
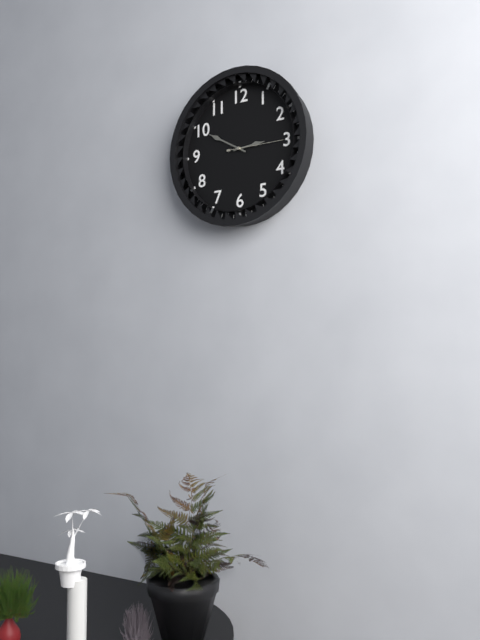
2:50:15
